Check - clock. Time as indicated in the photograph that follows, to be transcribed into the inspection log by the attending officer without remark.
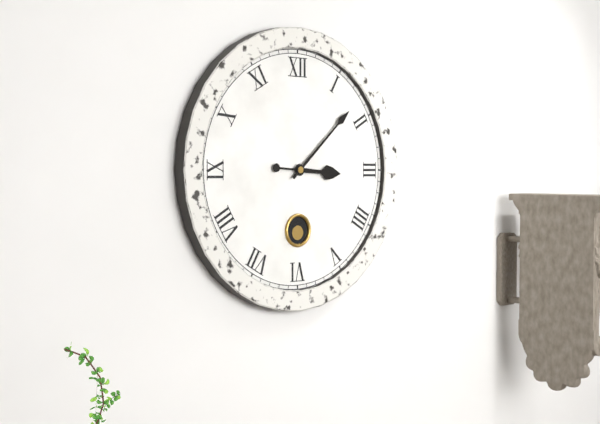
3:08
